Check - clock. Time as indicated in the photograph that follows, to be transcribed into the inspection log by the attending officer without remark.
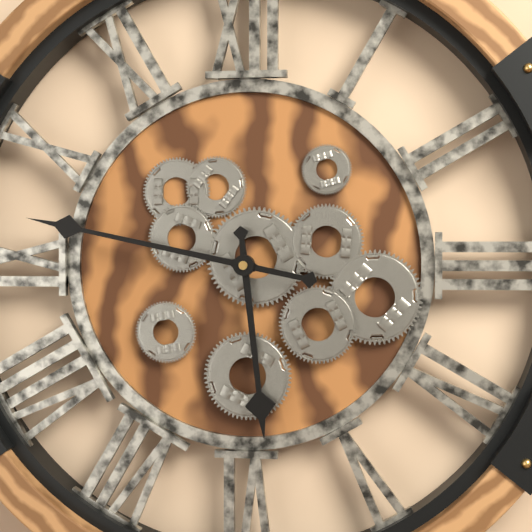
5:47
